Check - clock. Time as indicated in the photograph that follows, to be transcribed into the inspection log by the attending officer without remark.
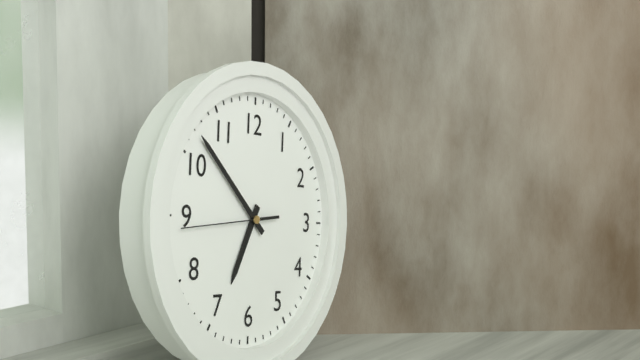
6:52:44
